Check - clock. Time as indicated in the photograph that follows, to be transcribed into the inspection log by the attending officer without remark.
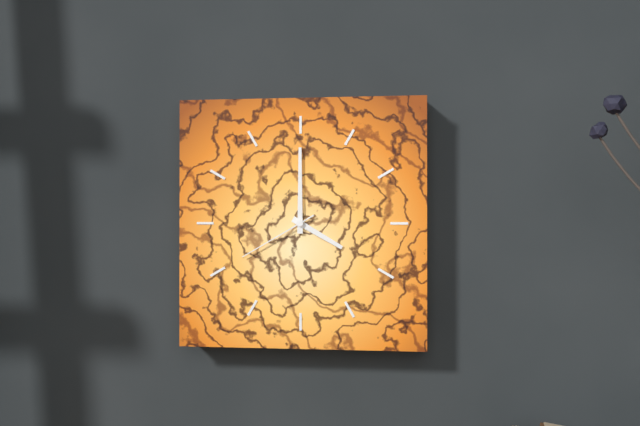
4:00:40
